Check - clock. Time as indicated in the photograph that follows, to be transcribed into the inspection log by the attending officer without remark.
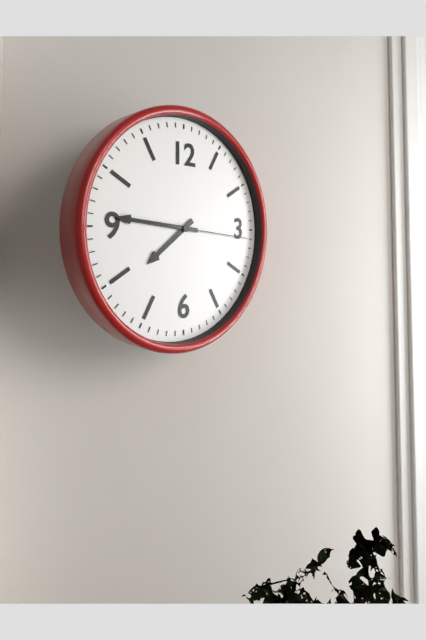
7:46:16
